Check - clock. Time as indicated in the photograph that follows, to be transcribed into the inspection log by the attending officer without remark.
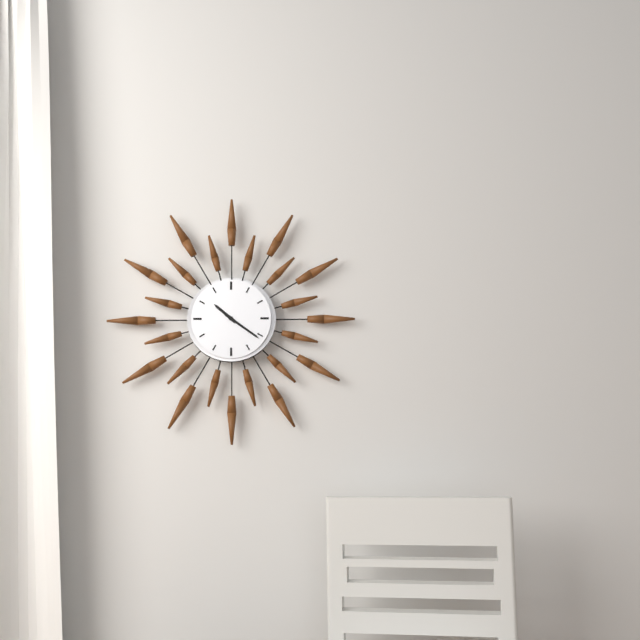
10:21
